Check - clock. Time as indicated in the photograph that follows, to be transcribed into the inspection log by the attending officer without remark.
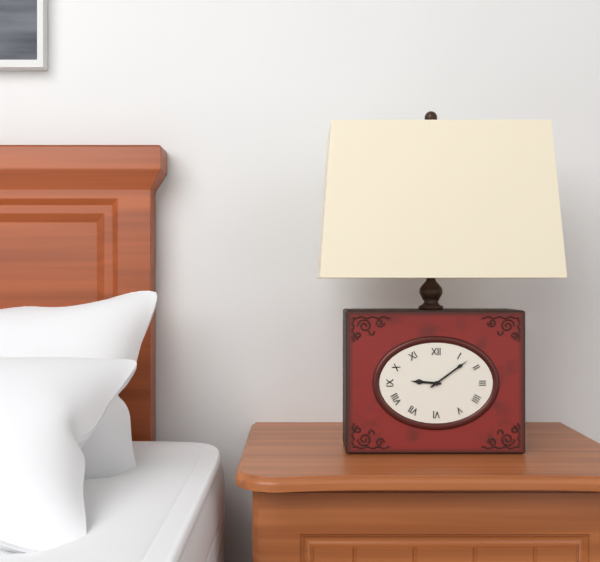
9:09
